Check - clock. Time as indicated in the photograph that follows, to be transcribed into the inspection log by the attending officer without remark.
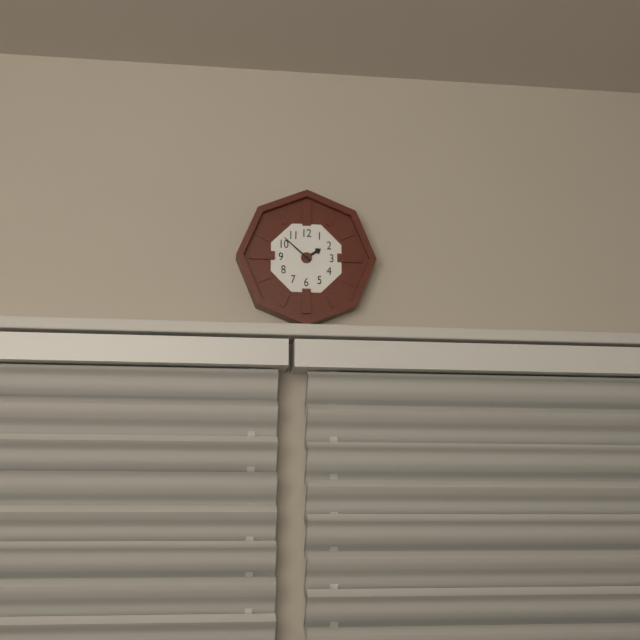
1:52
